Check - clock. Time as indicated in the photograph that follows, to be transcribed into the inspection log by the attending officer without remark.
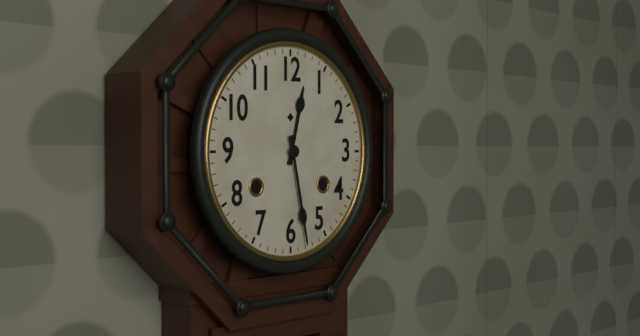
12:28
